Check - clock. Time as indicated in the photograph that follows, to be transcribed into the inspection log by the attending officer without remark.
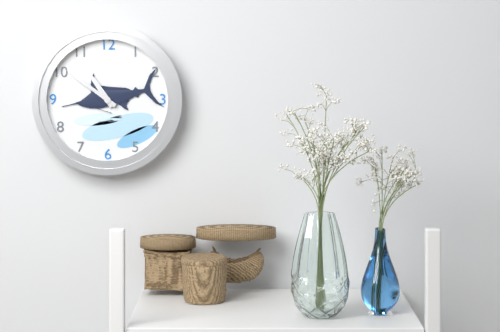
10:51
